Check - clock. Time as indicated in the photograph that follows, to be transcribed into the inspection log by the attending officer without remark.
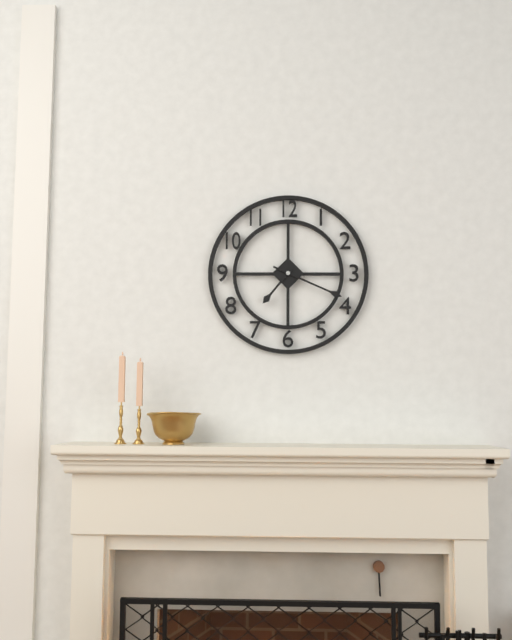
7:19
